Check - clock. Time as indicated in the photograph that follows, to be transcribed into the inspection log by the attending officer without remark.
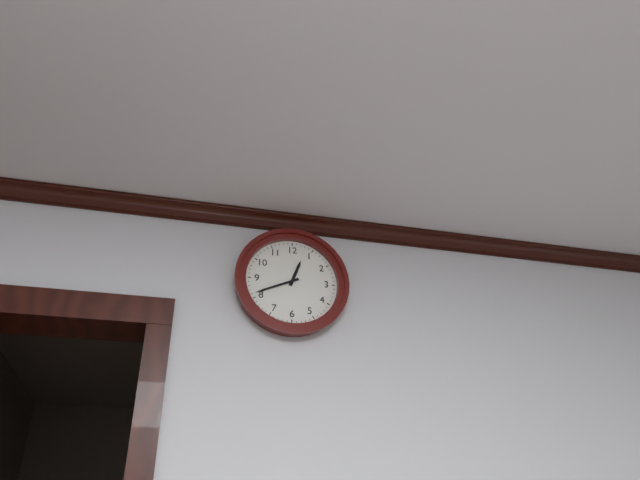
12:41
